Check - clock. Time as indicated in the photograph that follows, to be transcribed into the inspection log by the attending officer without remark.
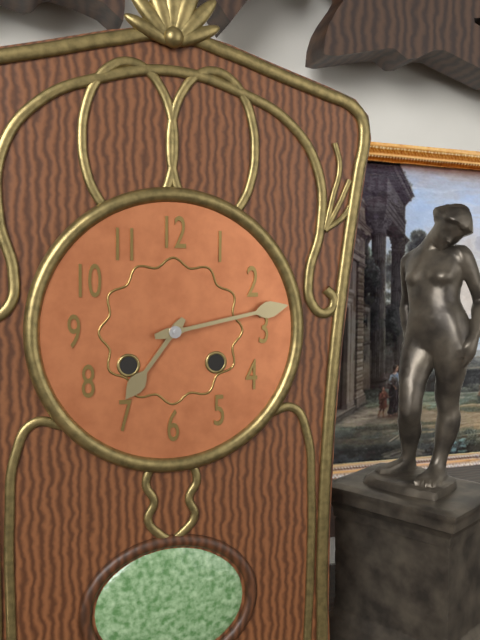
7:13
